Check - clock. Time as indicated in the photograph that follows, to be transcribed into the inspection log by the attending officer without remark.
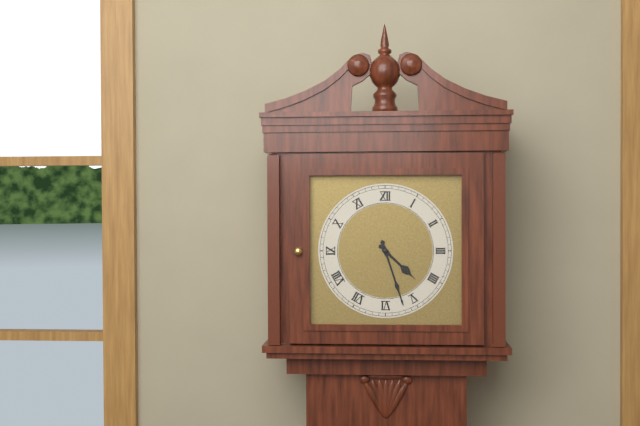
4:27
